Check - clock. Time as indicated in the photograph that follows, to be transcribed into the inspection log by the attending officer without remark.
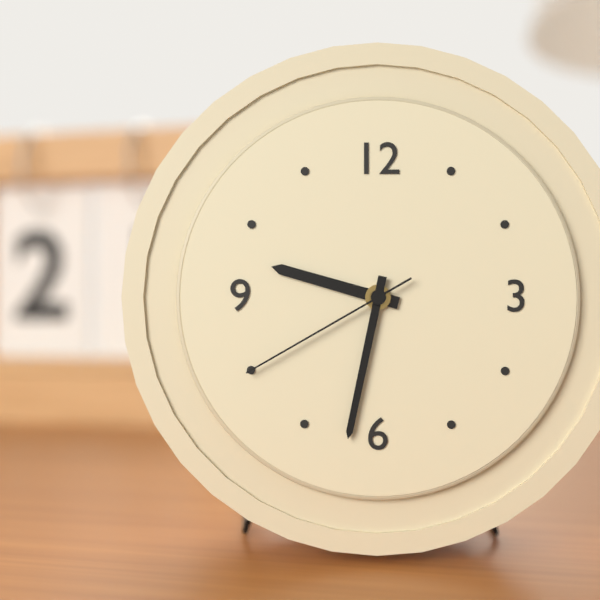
9:32:40
